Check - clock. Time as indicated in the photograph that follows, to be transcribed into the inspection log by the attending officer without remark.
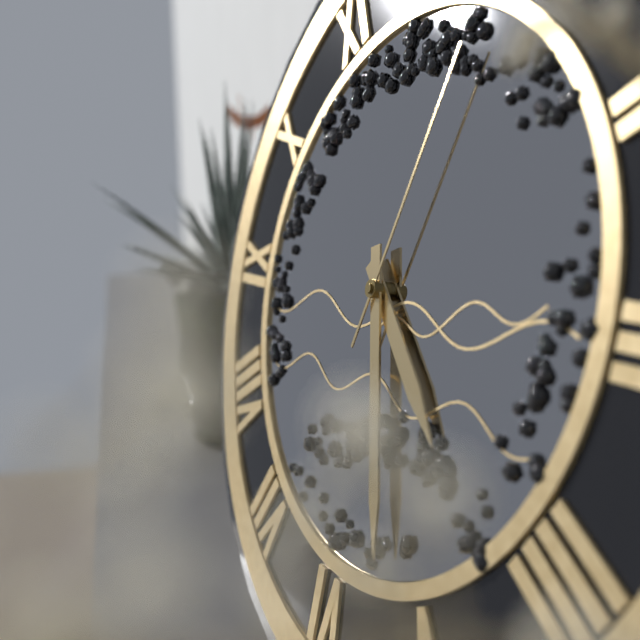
4:27:03
